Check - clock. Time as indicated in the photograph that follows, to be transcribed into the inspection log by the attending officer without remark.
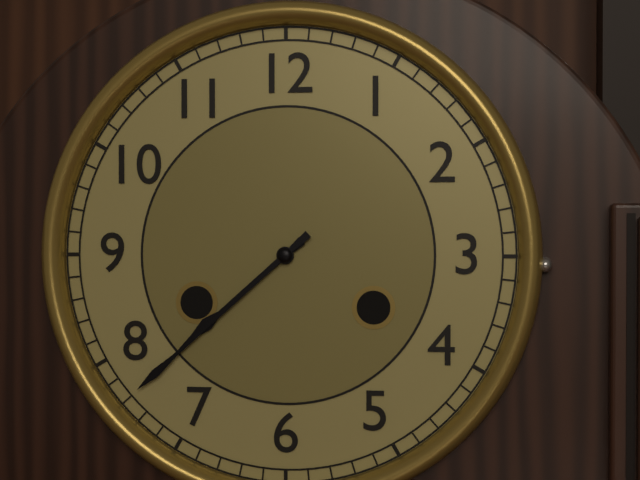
7:38
